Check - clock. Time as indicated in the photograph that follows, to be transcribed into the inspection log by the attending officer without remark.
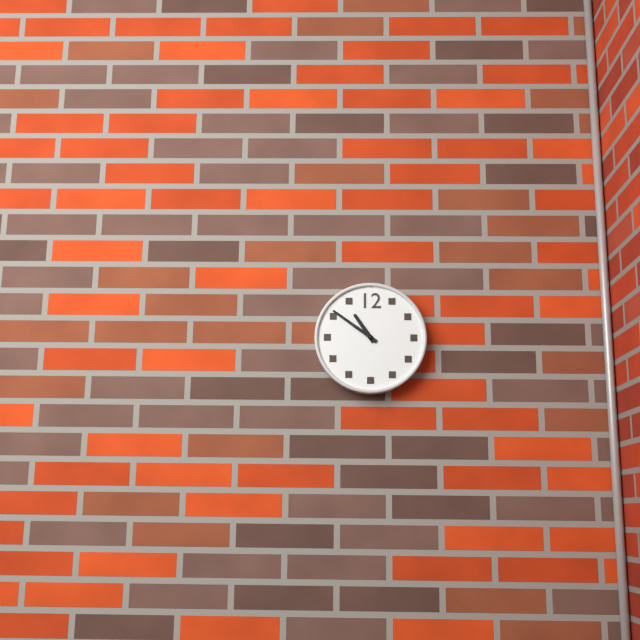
10:51
